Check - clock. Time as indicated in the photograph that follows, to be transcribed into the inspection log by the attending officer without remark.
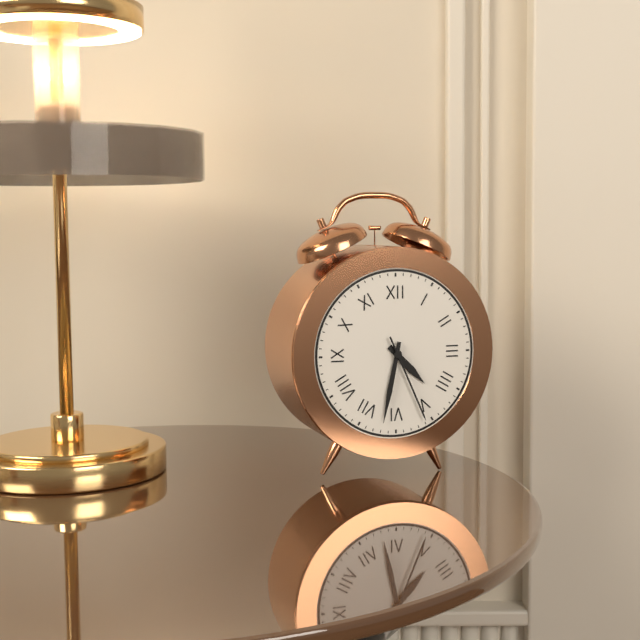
4:32:26
